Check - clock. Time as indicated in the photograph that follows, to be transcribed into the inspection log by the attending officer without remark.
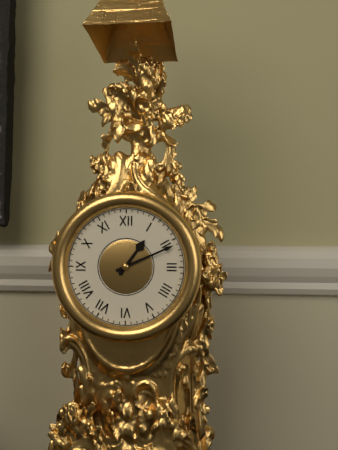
1:11
